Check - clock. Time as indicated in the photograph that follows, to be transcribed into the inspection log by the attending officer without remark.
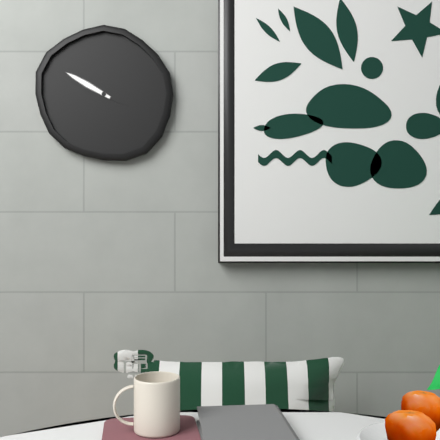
3:50
